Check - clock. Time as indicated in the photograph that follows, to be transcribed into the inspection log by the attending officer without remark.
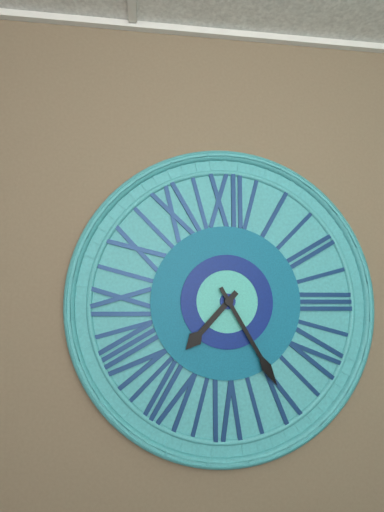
7:25
